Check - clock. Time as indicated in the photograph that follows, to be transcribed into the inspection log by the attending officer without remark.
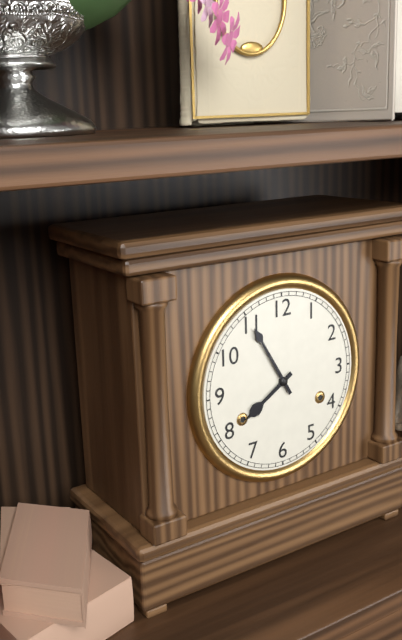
7:55
